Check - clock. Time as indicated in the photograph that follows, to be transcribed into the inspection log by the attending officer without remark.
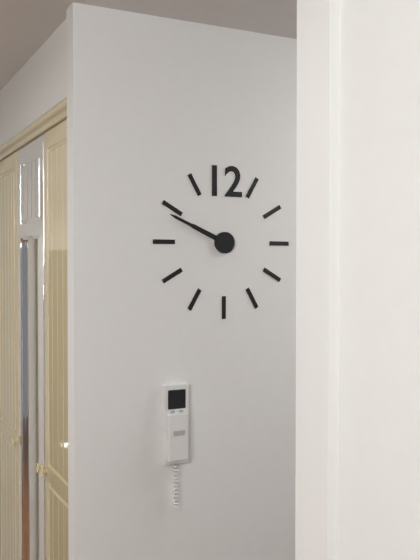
9:49
